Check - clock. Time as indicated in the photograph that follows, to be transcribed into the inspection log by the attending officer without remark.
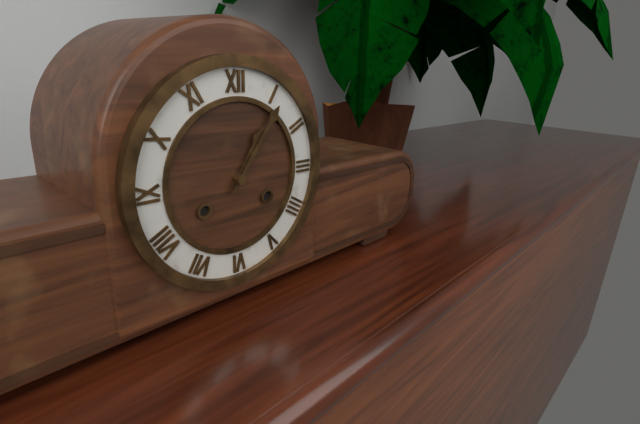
1:06
